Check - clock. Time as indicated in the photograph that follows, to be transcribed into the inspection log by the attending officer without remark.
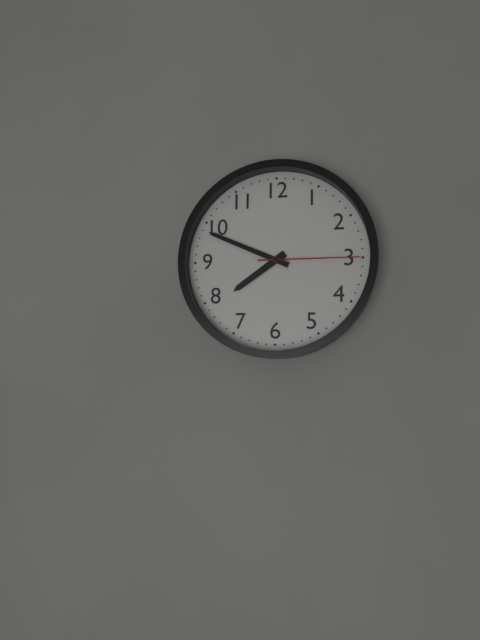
7:49:15
